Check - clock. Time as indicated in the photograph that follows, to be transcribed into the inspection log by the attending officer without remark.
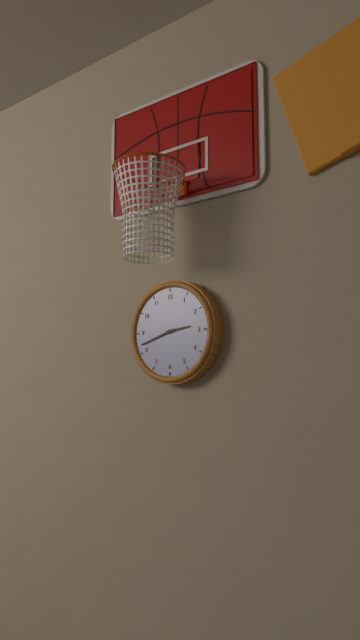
2:42
